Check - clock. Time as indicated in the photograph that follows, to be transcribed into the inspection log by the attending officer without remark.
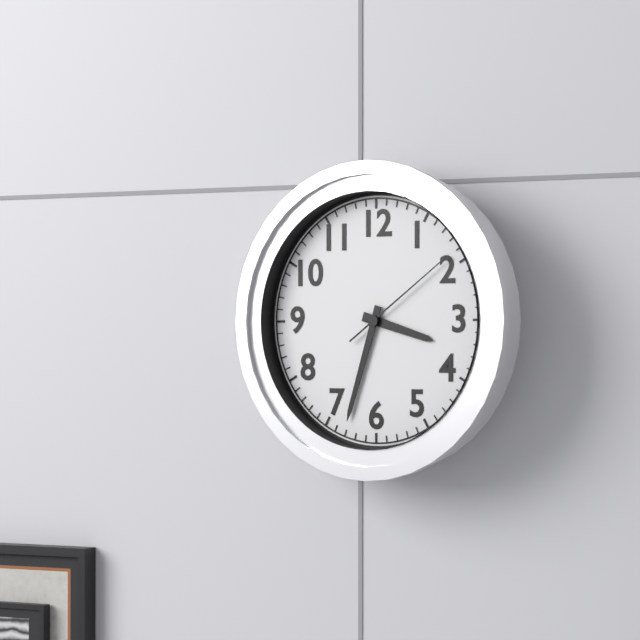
3:33:09
